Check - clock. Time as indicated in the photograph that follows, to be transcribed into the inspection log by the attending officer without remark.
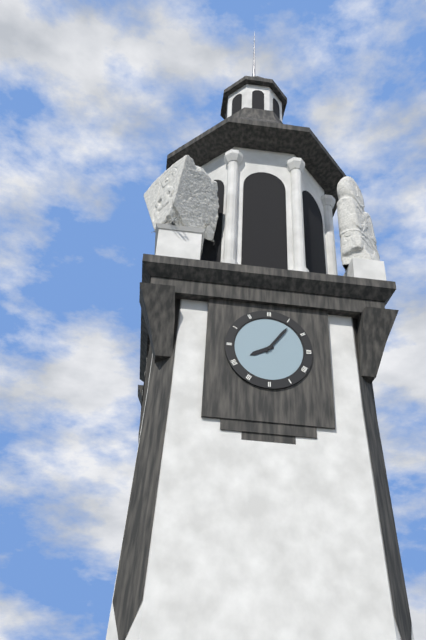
8:06
